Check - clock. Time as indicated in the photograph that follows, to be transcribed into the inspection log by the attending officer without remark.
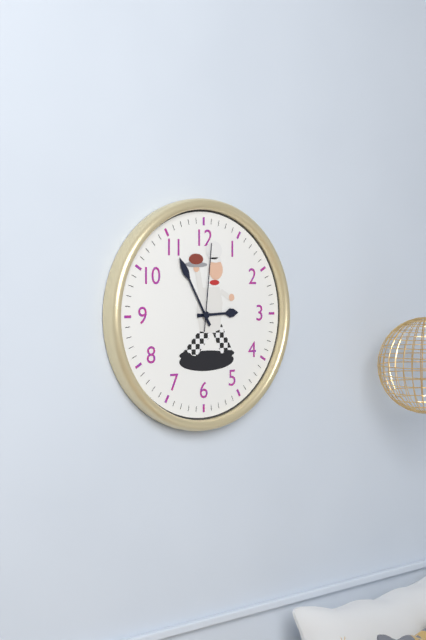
2:55:01
